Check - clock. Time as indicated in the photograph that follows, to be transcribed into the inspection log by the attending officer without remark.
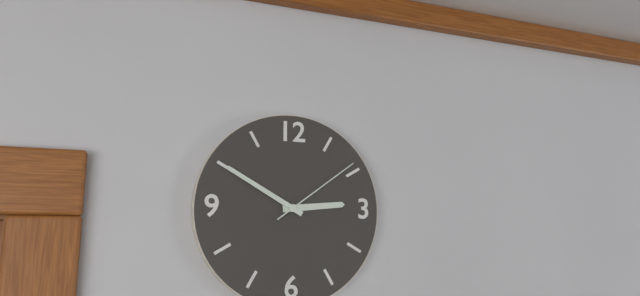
2:50:09
